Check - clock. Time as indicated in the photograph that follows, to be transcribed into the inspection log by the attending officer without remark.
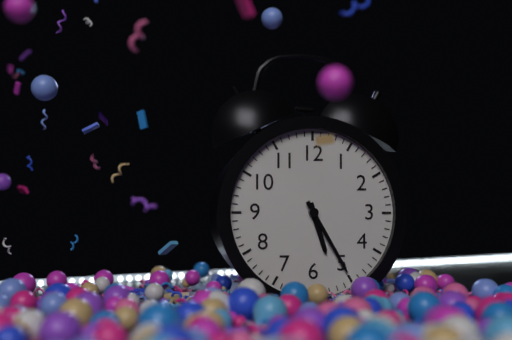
5:25
